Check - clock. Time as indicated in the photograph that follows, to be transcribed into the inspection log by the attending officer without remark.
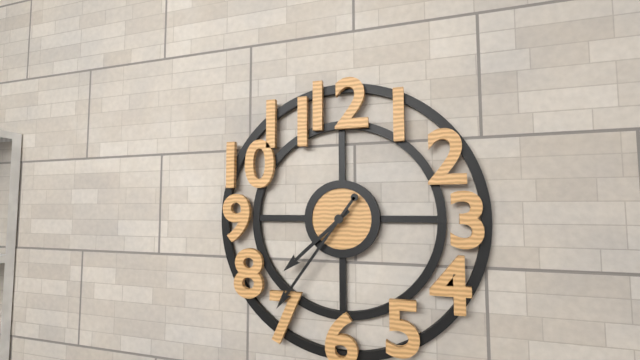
7:36
